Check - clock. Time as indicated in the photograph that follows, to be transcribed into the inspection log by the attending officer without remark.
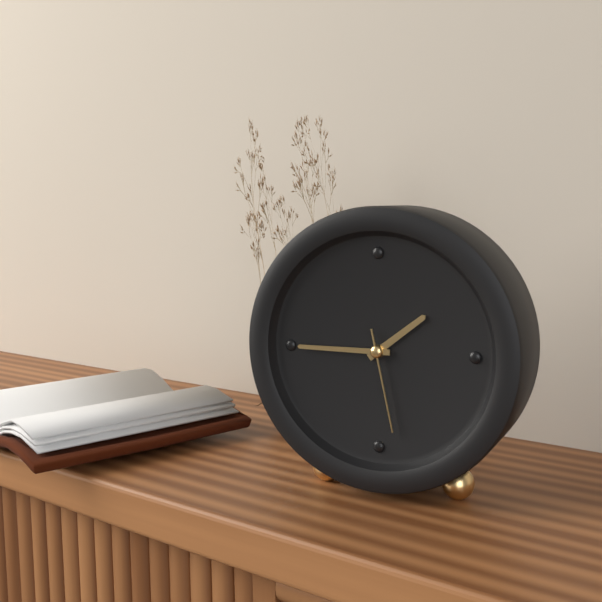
1:45:28
